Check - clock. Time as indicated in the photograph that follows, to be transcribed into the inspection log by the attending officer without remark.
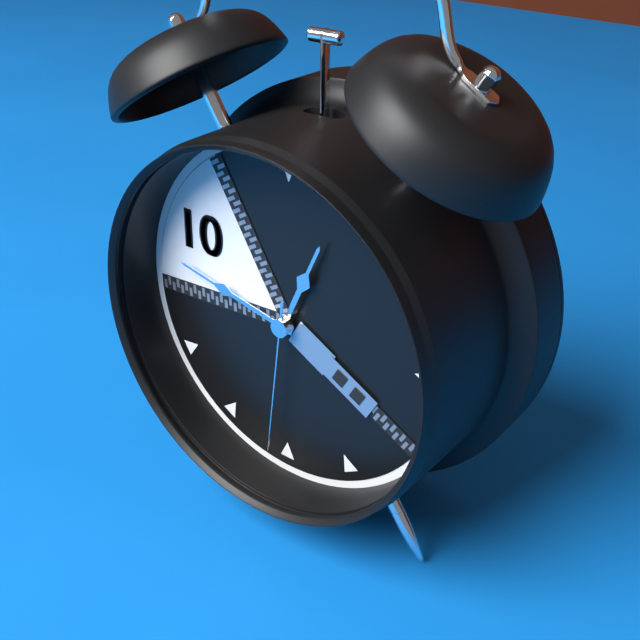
12:47:31
